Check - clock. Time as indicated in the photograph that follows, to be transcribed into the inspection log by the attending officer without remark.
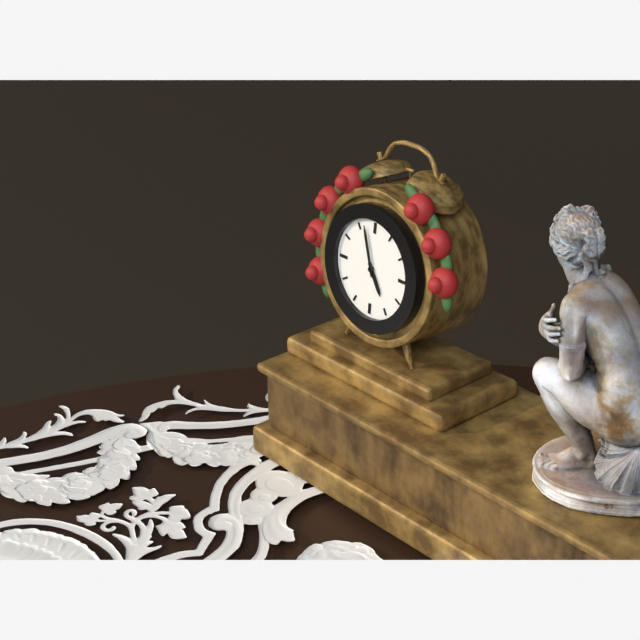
4:57
